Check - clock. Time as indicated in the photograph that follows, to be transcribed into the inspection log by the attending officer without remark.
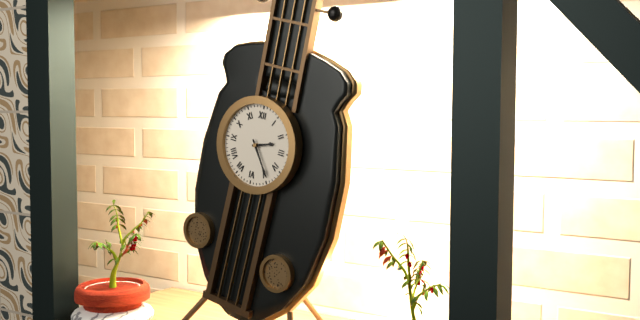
2:24
